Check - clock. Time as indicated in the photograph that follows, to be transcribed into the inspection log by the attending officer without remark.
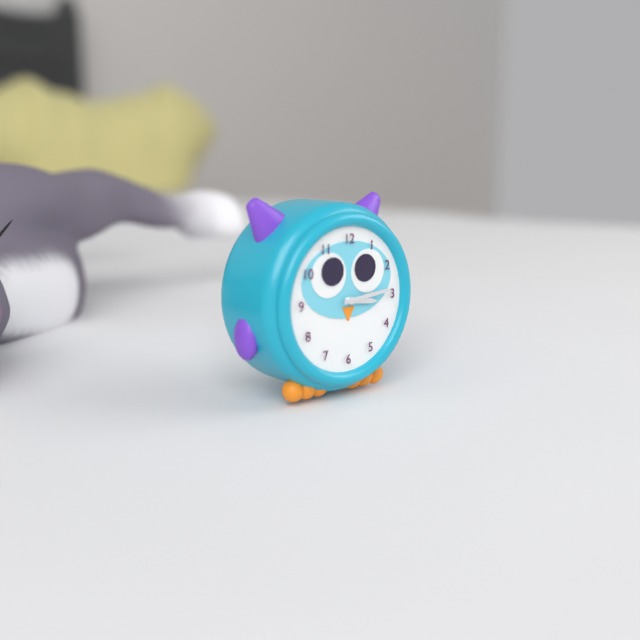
3:14
